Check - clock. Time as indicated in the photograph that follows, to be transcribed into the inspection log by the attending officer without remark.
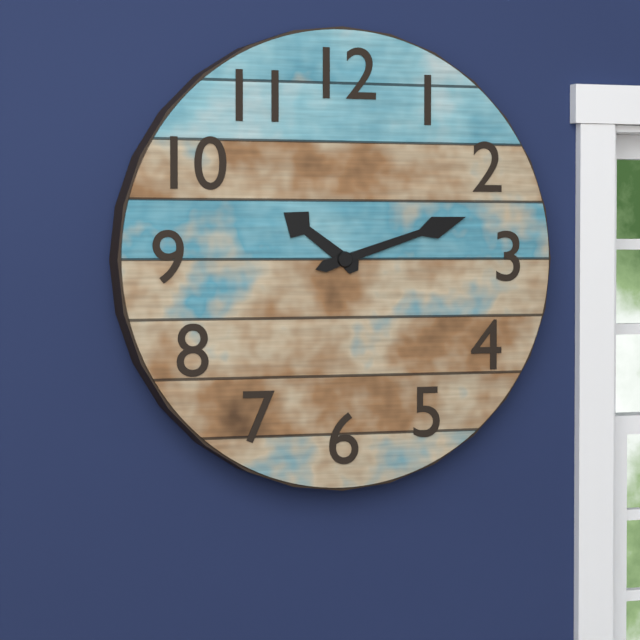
10:12
